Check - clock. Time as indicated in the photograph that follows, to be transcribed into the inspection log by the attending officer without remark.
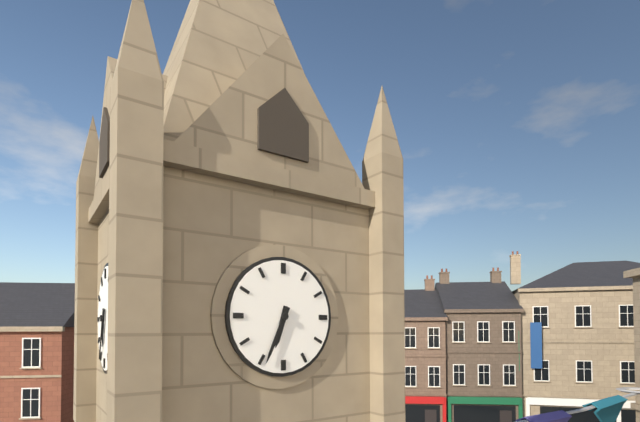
6:34
